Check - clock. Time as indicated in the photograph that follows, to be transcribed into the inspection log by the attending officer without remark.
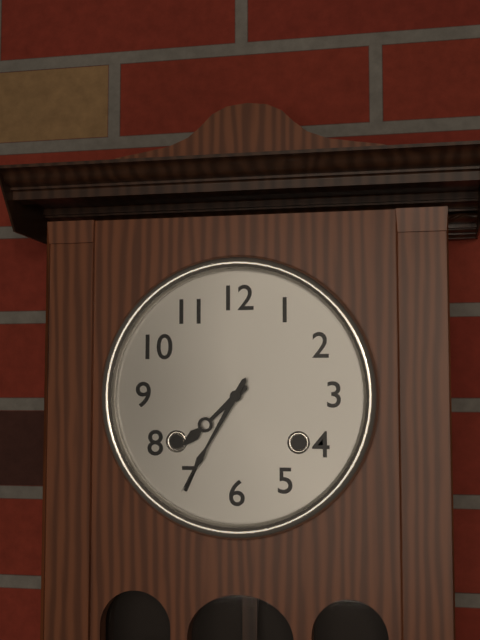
7:35
